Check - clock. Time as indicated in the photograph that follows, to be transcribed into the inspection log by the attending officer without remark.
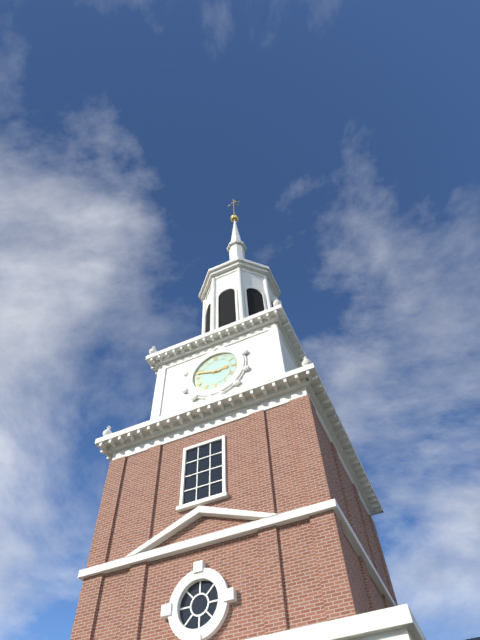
2:48
